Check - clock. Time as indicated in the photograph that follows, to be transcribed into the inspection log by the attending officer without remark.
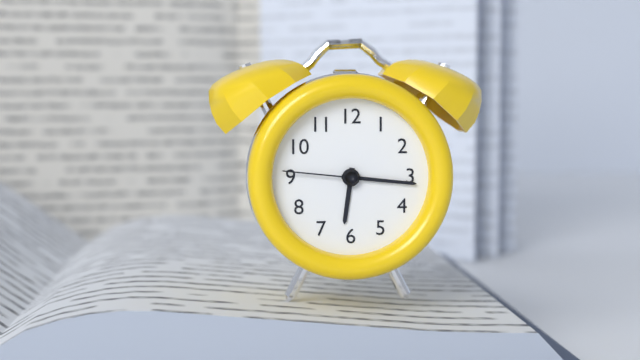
6:16:46
